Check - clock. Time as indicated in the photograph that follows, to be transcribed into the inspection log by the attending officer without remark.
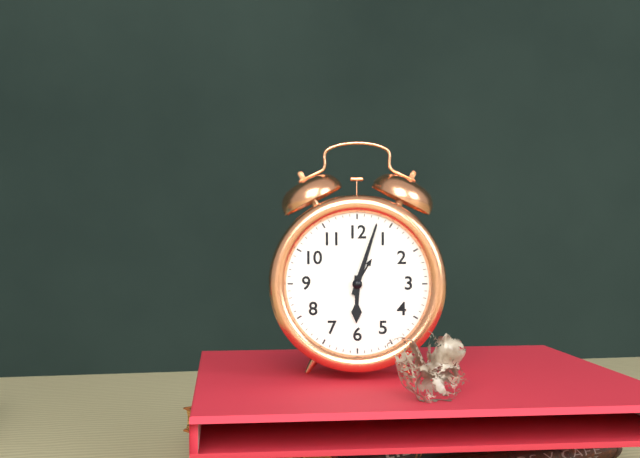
6:03
